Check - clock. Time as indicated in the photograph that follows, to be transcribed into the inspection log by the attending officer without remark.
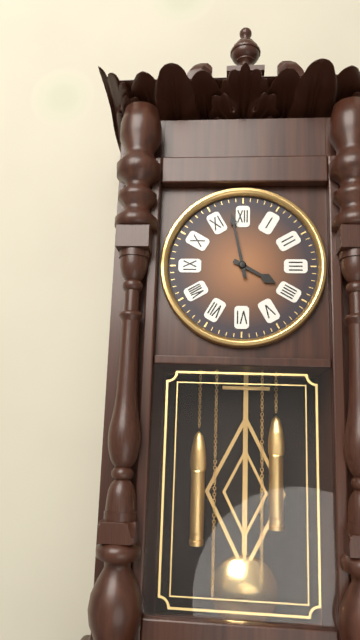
3:58
